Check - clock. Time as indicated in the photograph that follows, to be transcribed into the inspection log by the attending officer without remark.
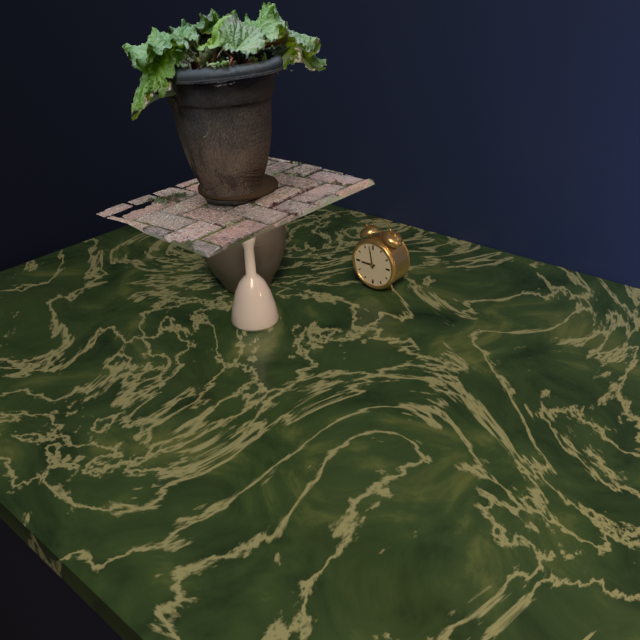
8:58
